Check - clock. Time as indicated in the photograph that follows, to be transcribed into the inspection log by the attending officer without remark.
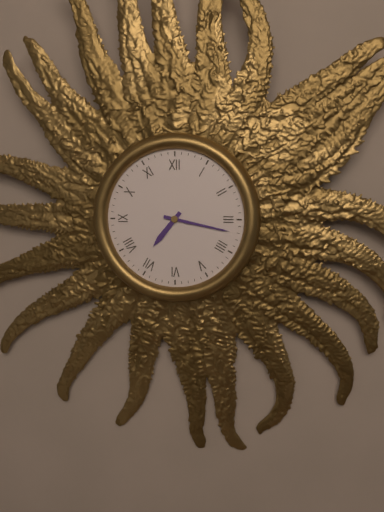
7:17
